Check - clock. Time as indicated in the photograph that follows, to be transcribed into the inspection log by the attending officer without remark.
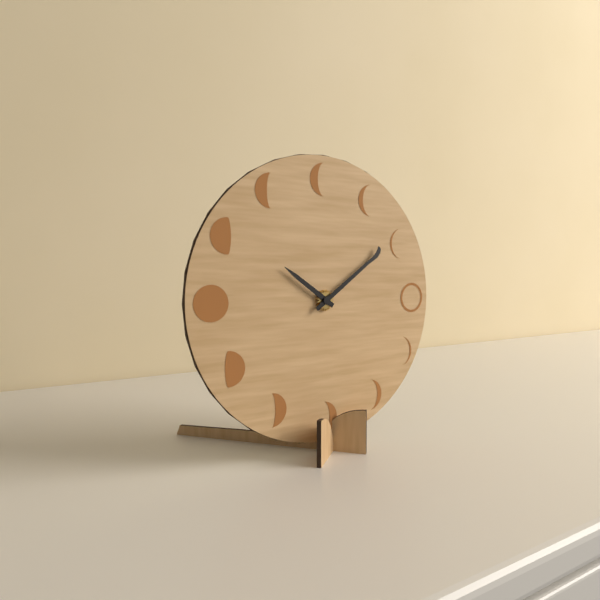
10:09
